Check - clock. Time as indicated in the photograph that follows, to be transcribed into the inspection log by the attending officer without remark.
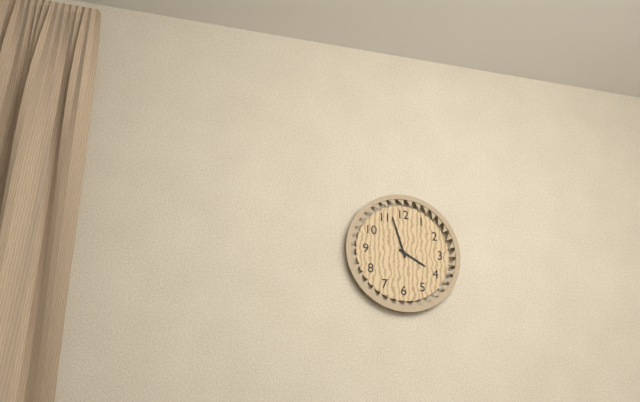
3:57
